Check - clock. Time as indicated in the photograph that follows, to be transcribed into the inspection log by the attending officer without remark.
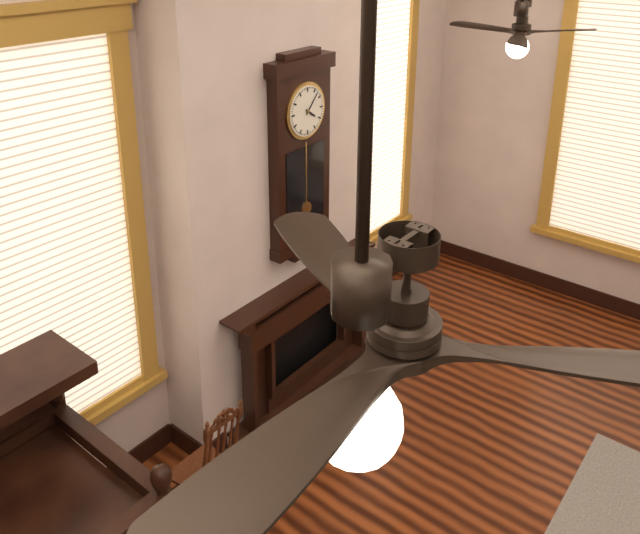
4:07
